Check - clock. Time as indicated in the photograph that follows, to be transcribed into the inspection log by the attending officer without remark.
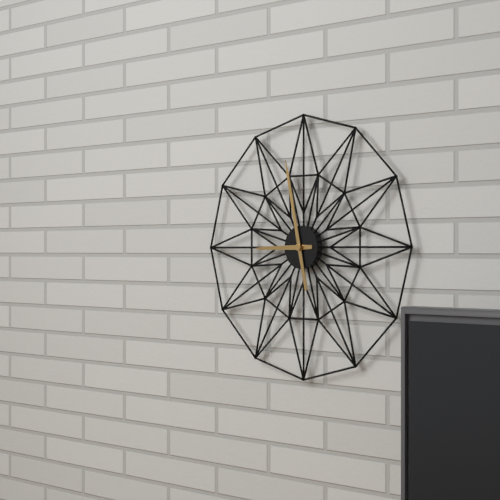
8:58
